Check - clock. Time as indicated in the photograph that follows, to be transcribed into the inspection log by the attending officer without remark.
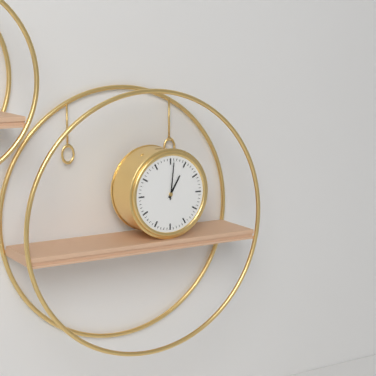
1:01
